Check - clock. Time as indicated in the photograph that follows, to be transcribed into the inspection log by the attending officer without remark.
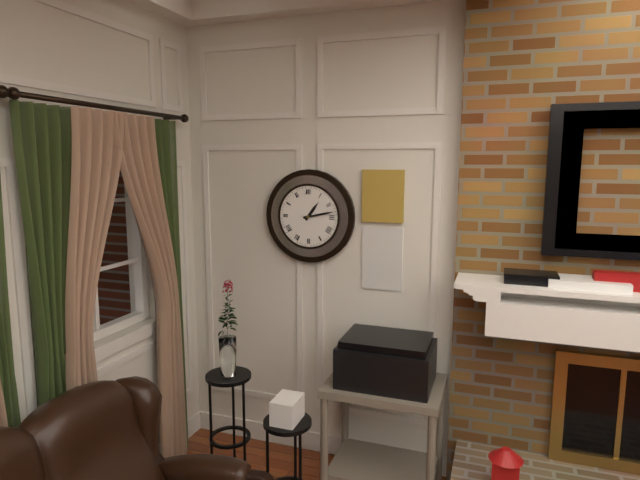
1:13
